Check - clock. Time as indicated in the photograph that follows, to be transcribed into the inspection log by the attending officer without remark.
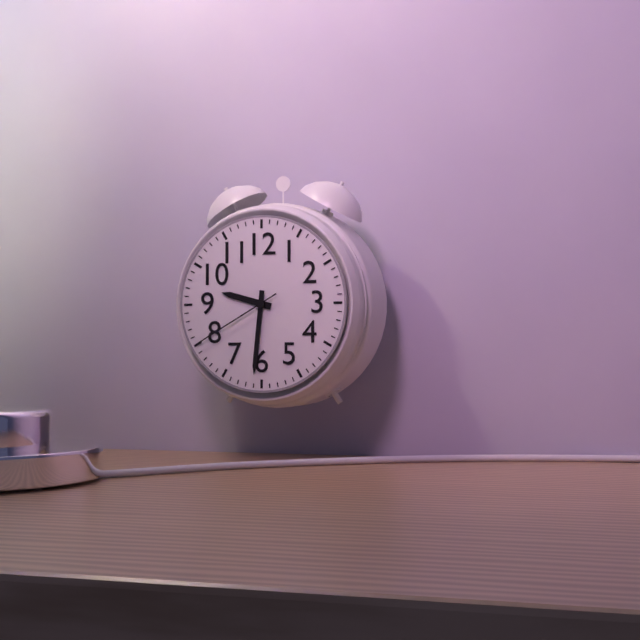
9:31:40
